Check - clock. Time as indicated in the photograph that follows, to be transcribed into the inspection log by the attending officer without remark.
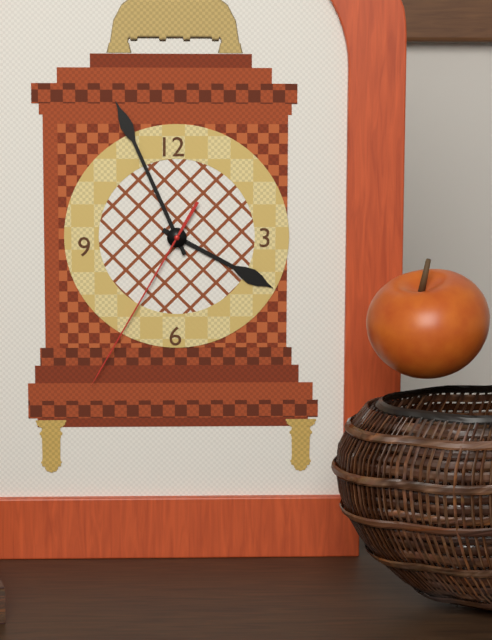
3:56:35
